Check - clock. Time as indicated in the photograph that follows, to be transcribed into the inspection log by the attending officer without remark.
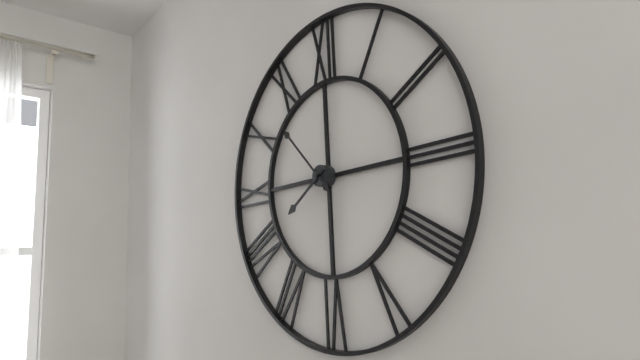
7:53
